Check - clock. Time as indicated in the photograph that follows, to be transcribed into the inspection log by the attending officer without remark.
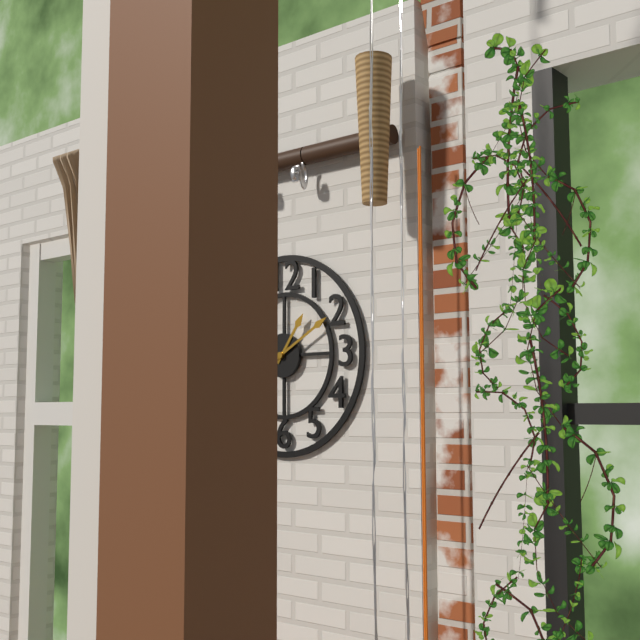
1:10
